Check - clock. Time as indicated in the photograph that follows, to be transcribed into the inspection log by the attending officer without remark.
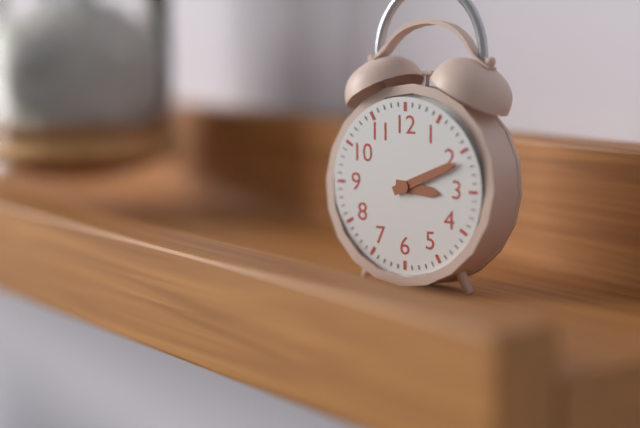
3:11
